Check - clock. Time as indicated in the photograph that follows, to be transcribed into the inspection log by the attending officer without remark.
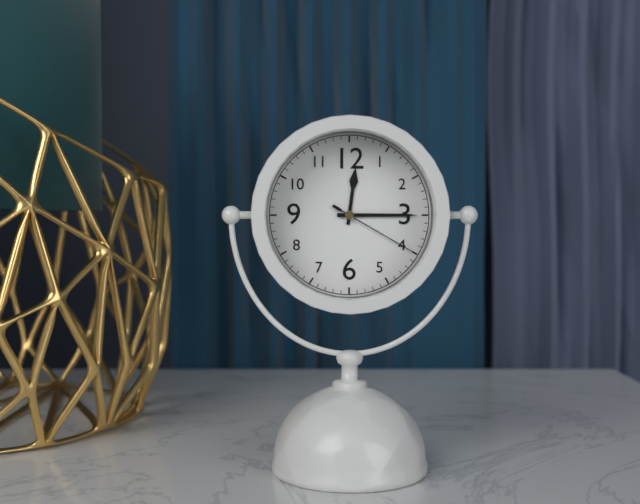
12:15:20
